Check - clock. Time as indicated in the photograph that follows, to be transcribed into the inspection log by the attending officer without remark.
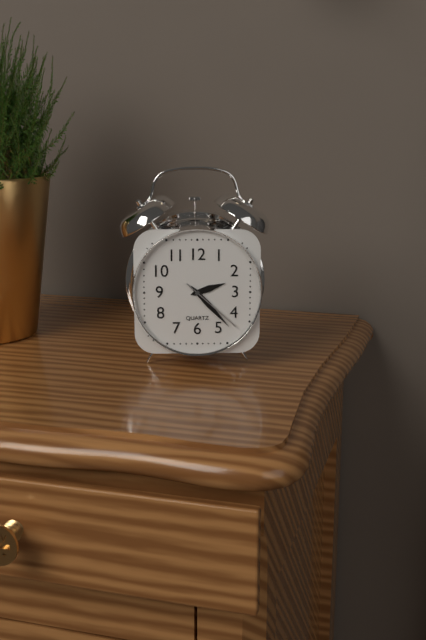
2:23:22
